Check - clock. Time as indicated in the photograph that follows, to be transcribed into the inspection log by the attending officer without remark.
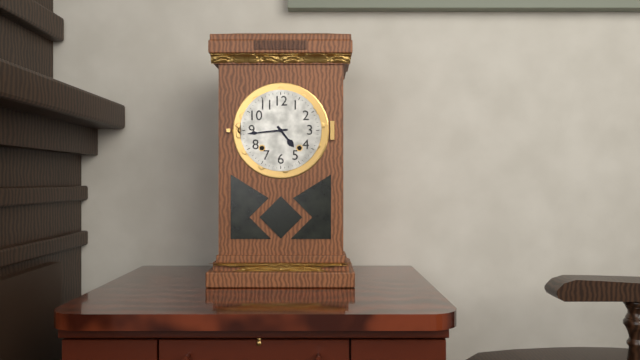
4:44
